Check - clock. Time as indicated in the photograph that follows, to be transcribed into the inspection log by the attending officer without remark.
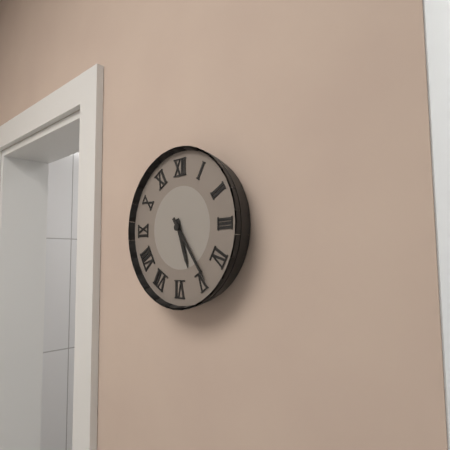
5:24
